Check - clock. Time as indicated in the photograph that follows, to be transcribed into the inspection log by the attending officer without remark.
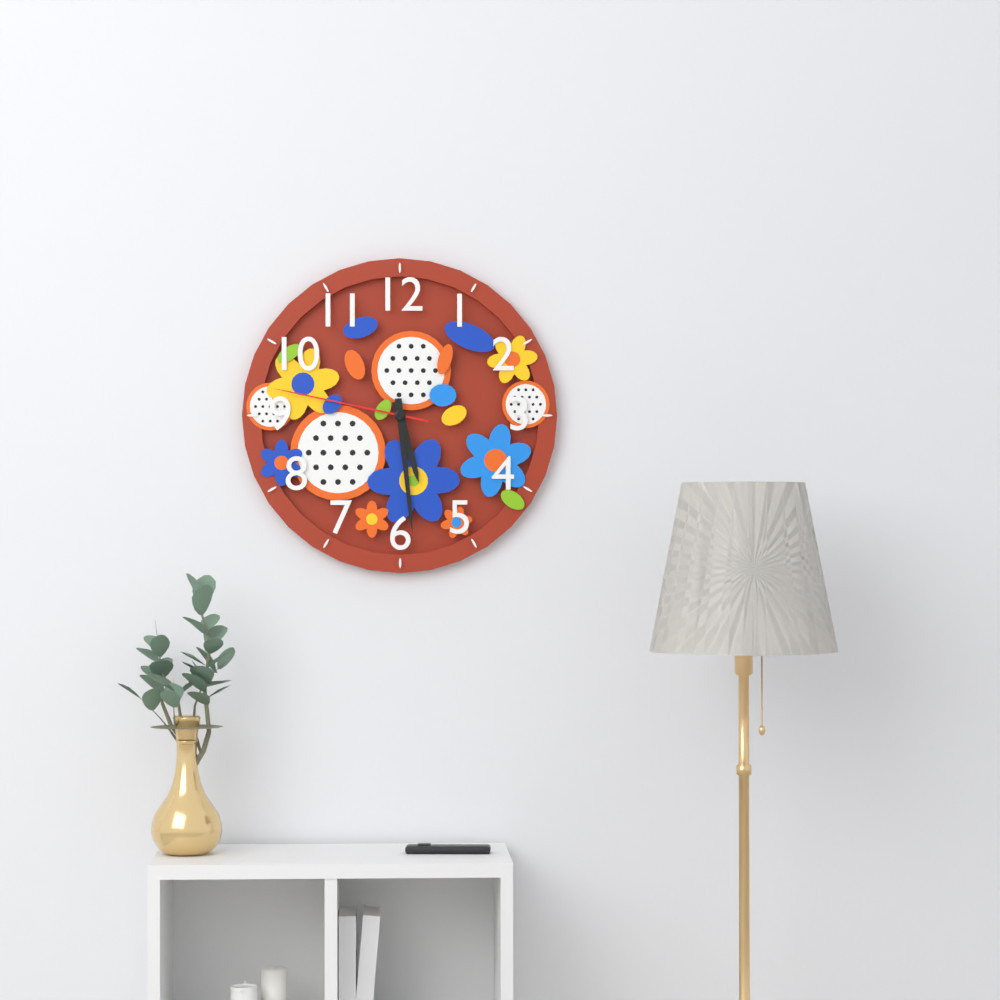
5:29:47
